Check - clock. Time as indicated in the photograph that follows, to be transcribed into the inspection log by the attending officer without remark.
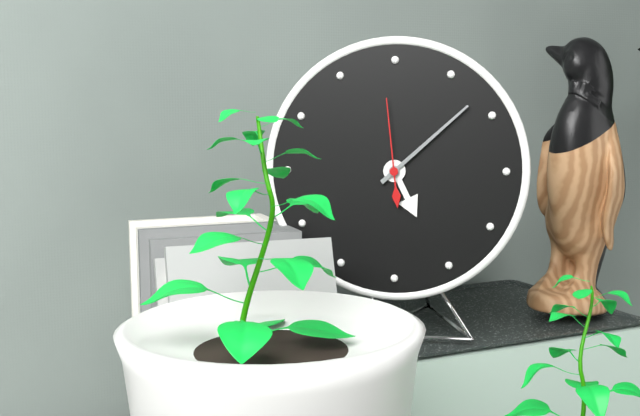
5:08:59
